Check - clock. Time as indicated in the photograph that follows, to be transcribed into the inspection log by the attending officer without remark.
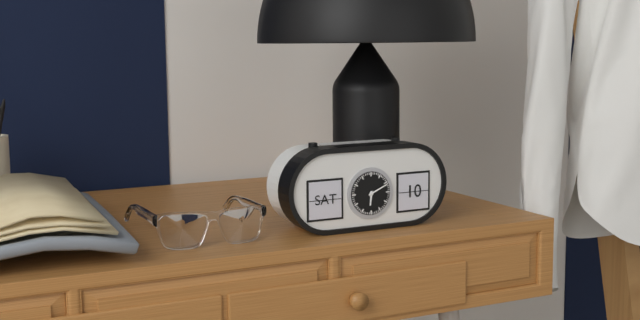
6:11
